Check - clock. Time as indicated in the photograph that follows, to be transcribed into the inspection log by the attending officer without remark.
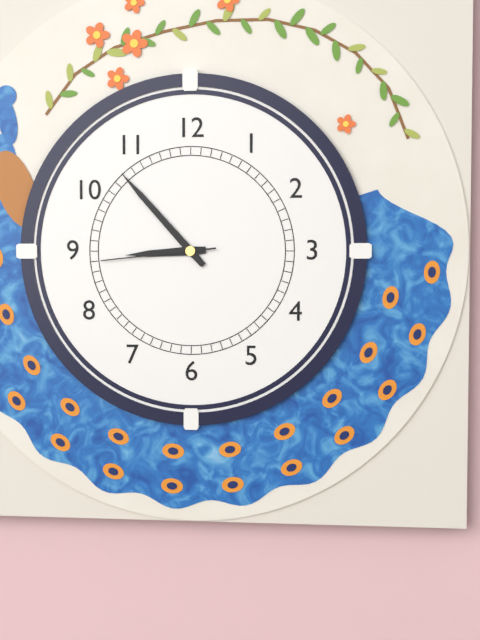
8:53:44
